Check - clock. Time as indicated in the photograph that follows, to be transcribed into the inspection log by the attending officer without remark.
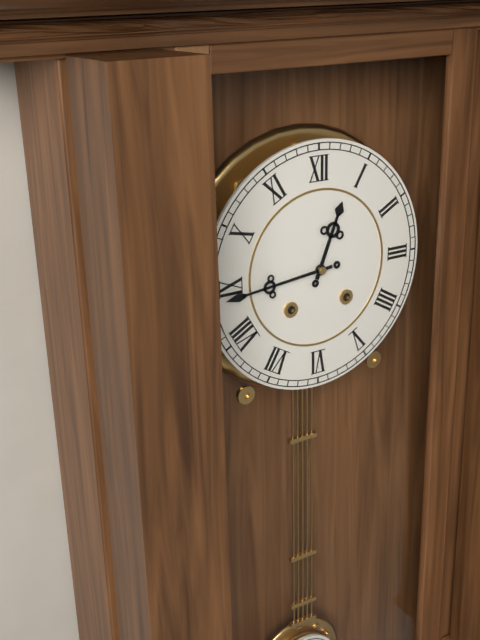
12:44
